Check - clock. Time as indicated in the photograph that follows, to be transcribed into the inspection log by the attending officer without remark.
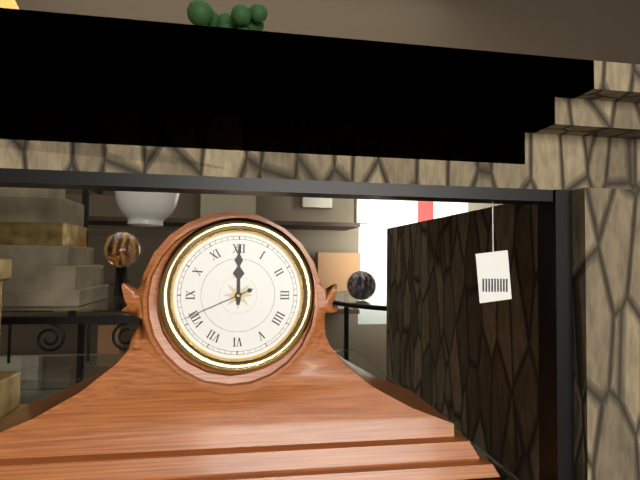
12:00:41
